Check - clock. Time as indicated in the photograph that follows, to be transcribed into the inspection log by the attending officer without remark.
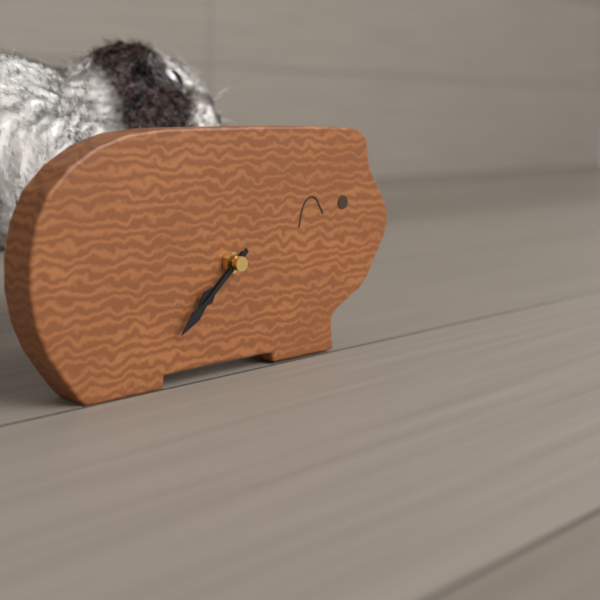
7:38
